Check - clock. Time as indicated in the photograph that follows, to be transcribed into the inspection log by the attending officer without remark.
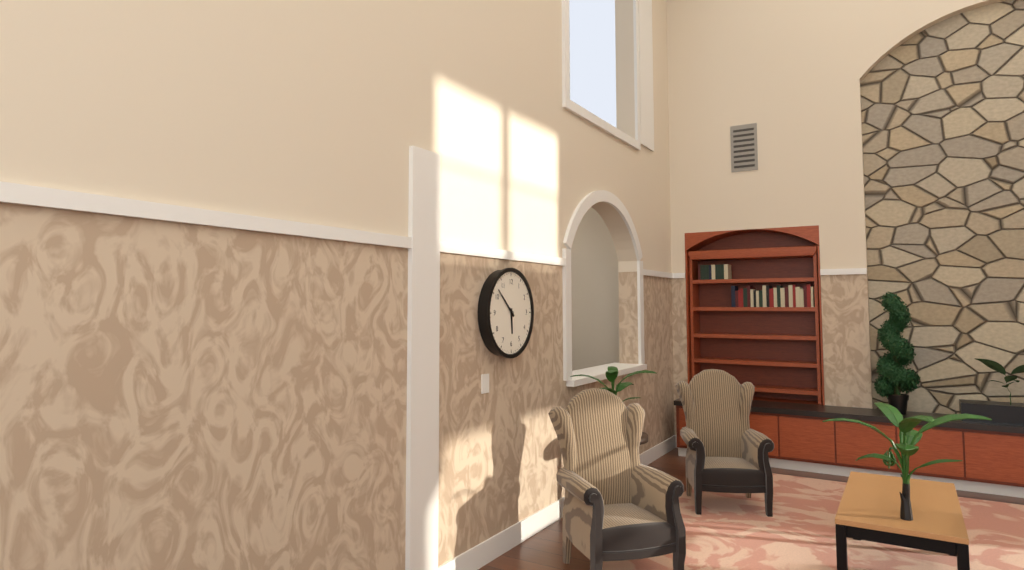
5:52
